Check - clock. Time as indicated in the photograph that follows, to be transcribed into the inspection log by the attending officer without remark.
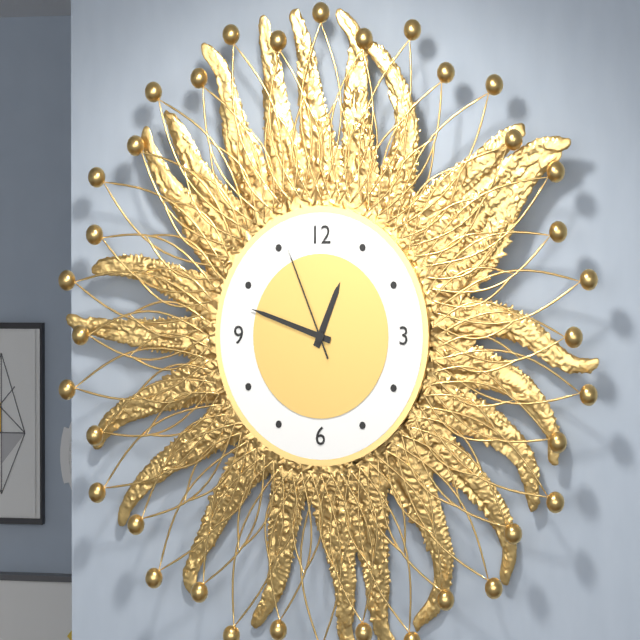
12:48:56
